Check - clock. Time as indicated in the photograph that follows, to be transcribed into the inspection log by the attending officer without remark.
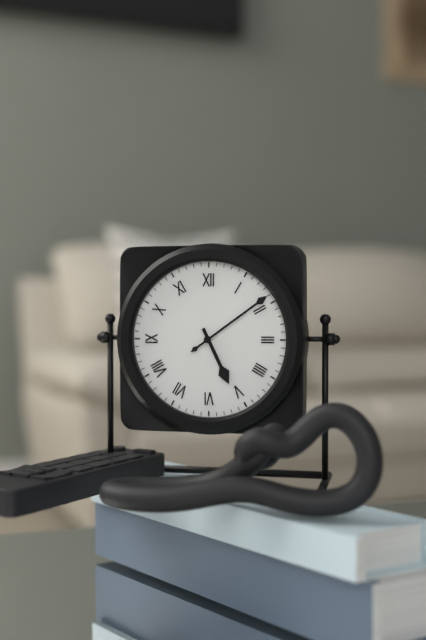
5:09
